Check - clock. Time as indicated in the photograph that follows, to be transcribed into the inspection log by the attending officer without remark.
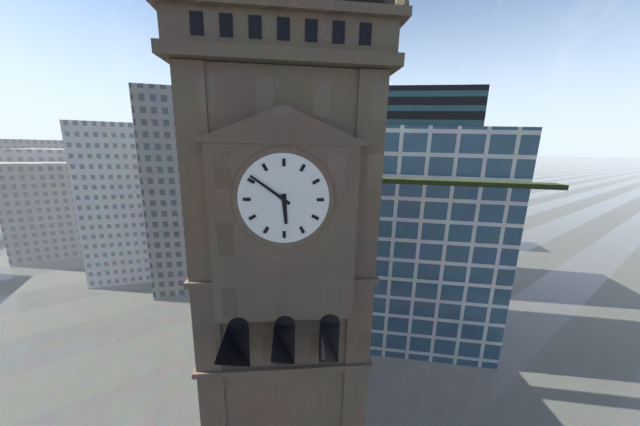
5:51
